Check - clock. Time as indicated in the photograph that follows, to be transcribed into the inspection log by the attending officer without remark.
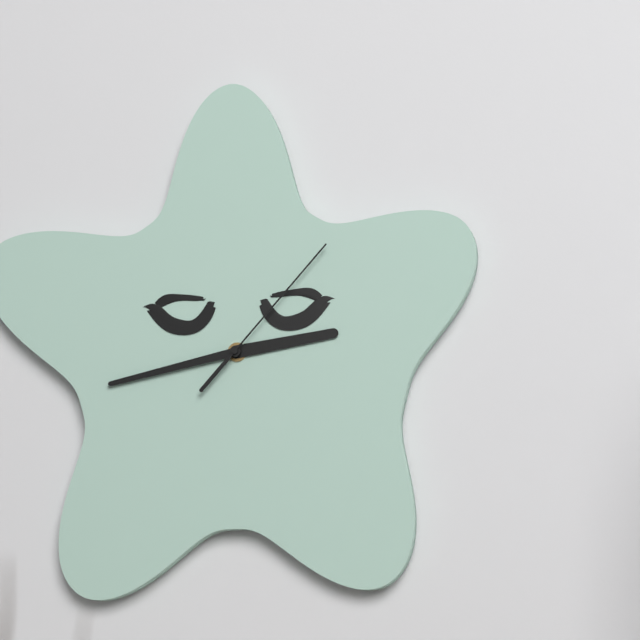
2:43:07
